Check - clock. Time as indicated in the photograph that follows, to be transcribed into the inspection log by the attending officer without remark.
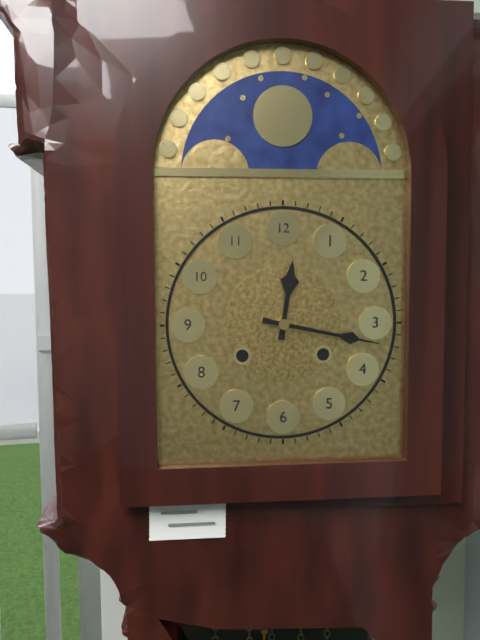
12:17
